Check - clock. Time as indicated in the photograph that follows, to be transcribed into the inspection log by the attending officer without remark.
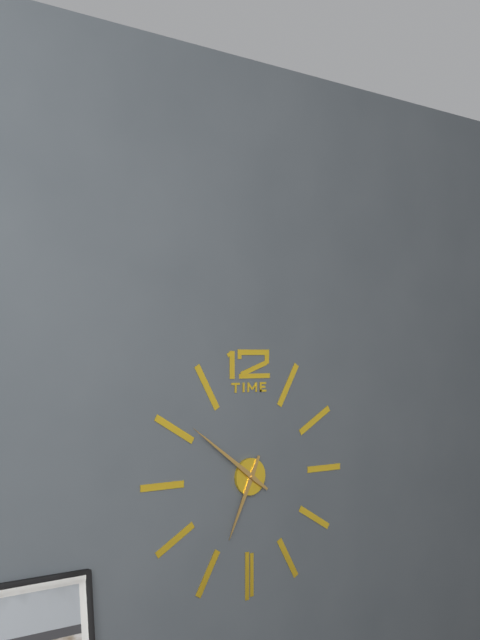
6:51
